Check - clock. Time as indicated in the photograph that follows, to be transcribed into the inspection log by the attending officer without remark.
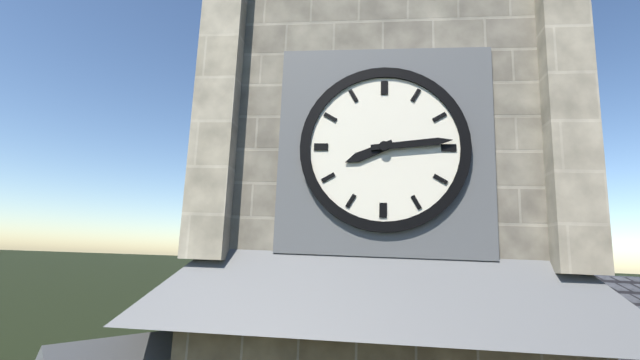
8:14
